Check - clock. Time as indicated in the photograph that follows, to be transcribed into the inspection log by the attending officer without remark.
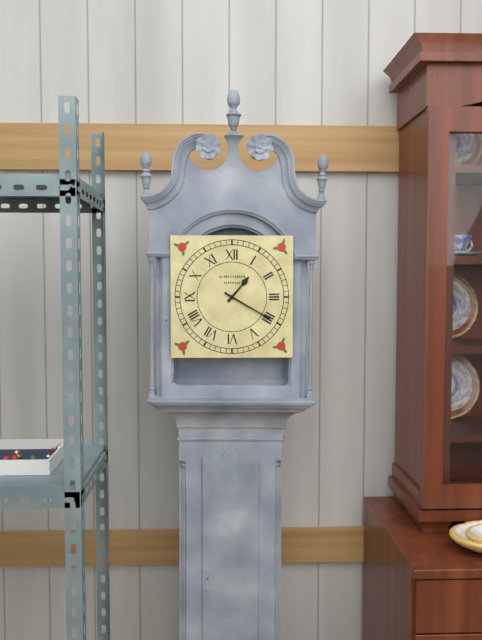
1:20
